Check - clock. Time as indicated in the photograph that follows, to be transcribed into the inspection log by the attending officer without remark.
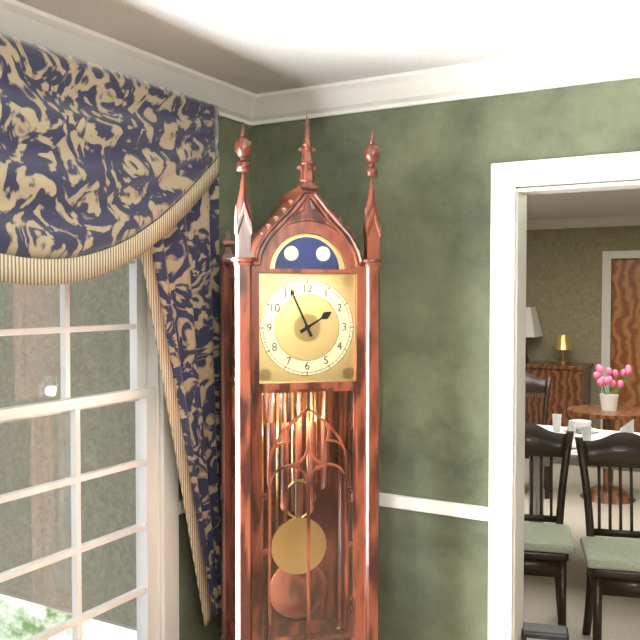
1:56
